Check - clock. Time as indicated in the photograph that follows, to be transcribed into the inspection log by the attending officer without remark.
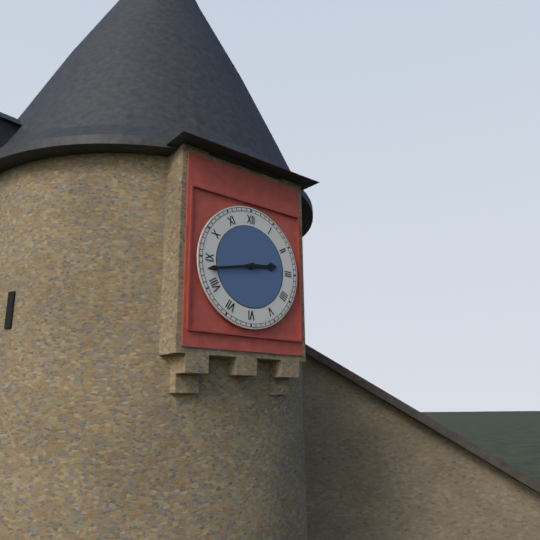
2:43
